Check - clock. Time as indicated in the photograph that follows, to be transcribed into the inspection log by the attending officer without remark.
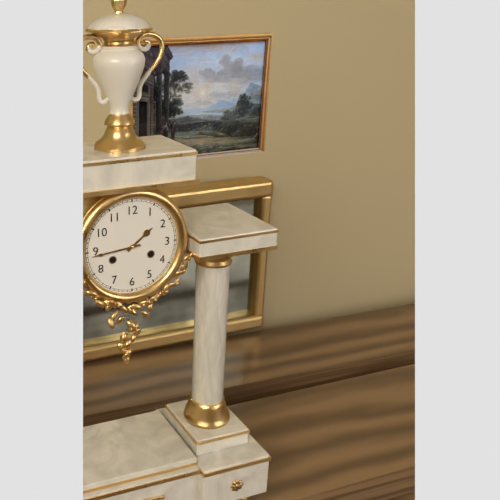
1:44
